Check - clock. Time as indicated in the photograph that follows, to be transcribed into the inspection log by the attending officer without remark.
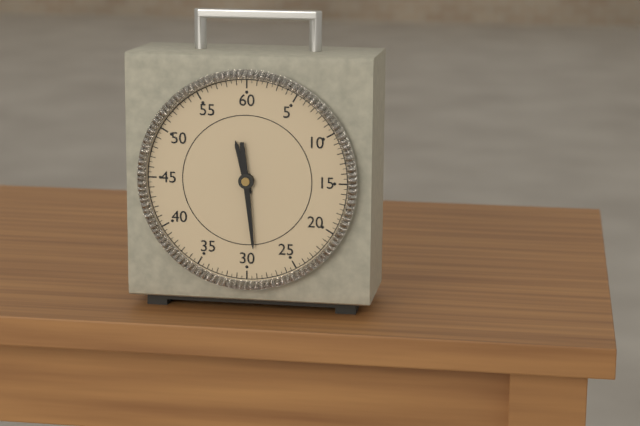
11:29
